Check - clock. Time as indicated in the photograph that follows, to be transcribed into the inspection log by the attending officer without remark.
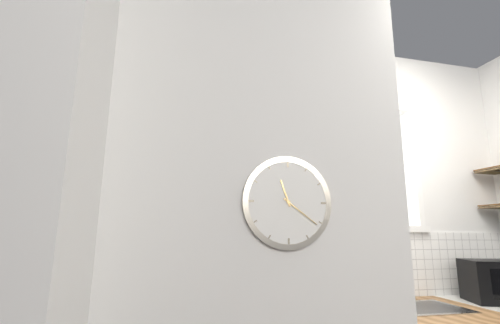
11:21
